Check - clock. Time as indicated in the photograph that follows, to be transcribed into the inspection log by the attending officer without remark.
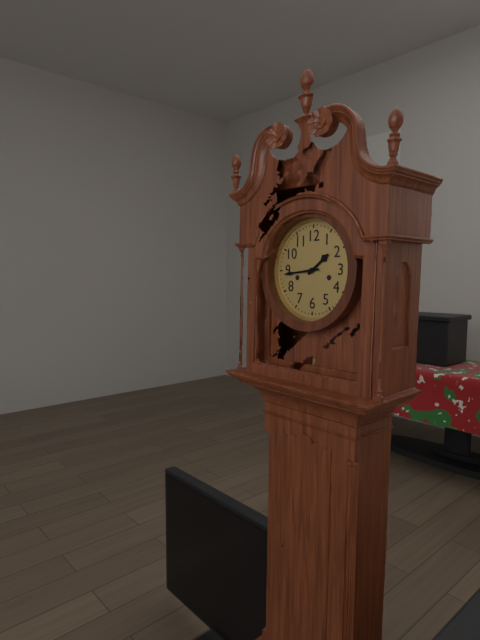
1:44
